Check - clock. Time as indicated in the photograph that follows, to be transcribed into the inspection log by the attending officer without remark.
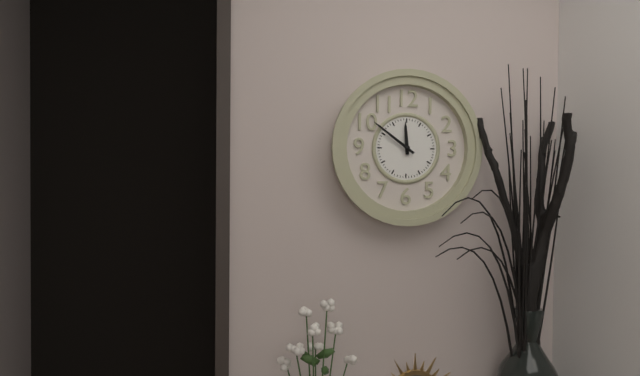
11:51
